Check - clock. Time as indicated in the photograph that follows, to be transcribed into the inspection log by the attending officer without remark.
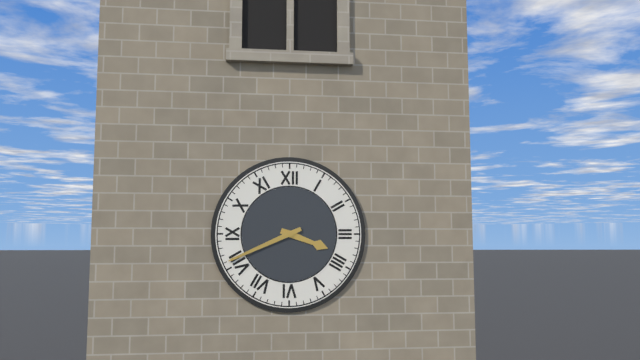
3:41
